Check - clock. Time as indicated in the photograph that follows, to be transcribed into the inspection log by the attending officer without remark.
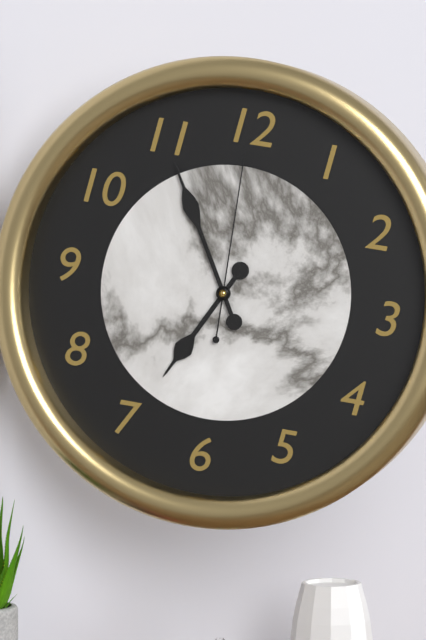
6:55:00
